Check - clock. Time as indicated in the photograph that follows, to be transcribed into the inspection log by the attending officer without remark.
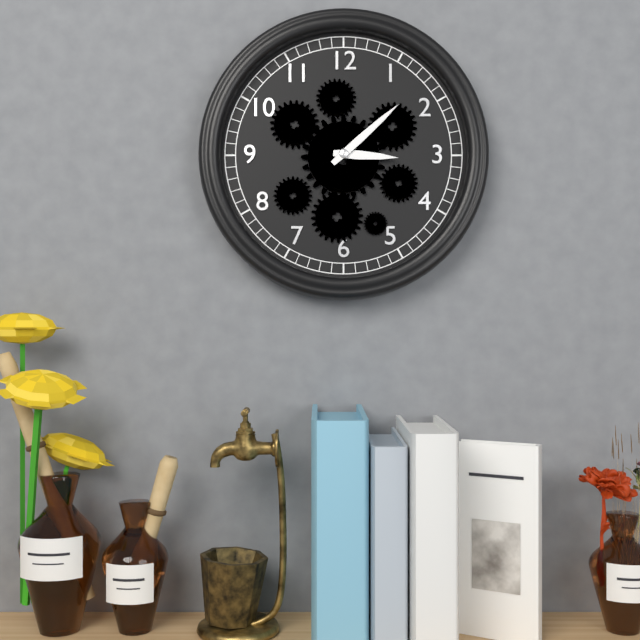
3:08
